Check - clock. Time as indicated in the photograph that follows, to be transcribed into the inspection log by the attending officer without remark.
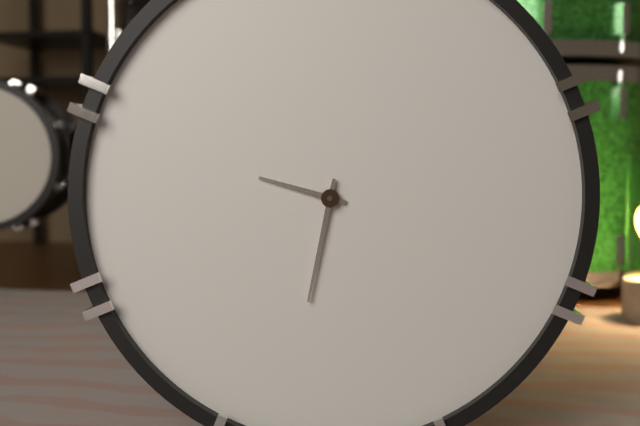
9:32
